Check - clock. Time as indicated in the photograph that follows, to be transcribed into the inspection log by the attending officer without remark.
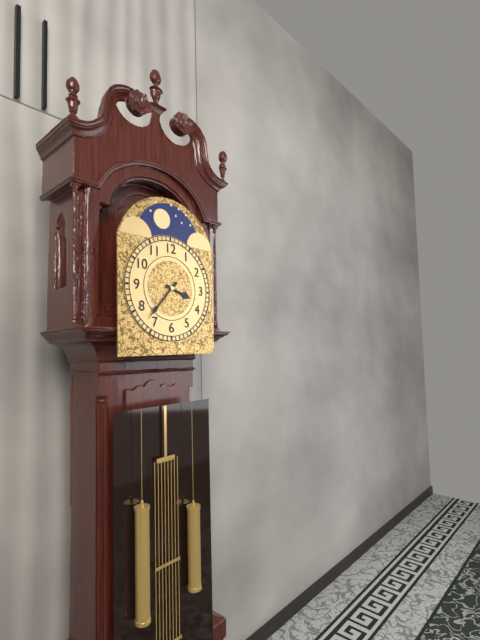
3:37
